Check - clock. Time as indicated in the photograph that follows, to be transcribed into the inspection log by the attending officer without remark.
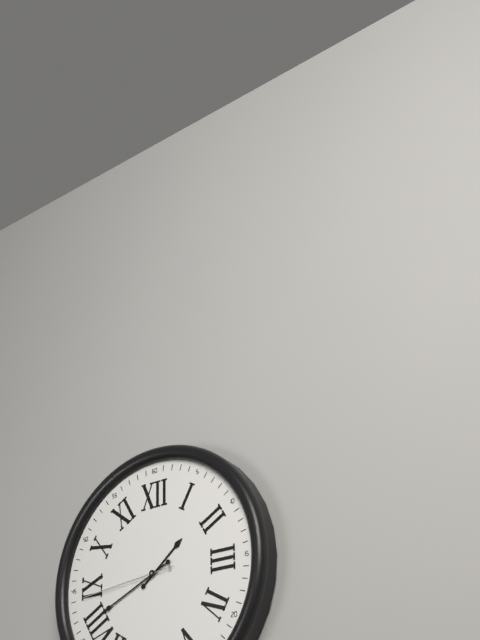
1:41:44
